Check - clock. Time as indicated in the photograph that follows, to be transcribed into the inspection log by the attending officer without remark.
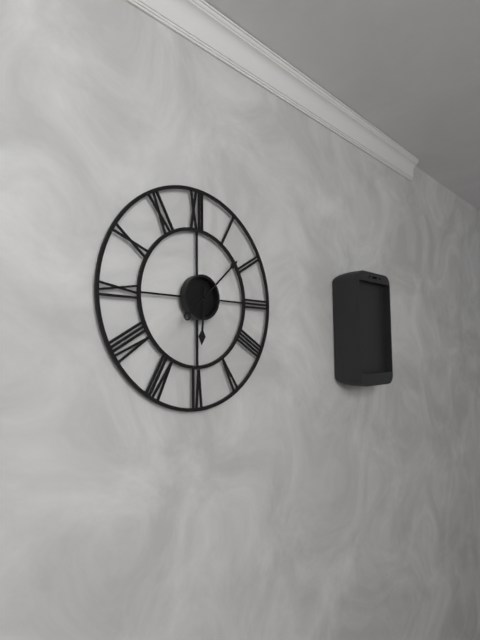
6:08
